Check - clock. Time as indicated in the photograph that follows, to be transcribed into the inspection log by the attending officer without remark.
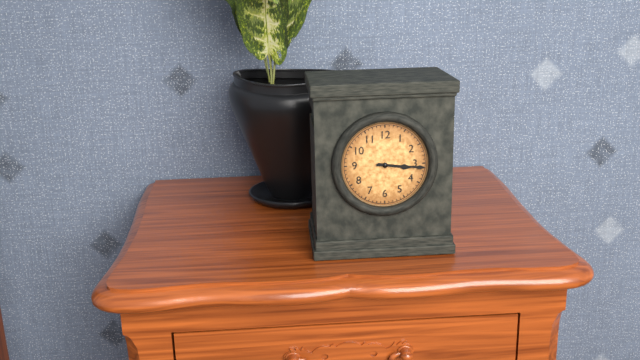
3:16
